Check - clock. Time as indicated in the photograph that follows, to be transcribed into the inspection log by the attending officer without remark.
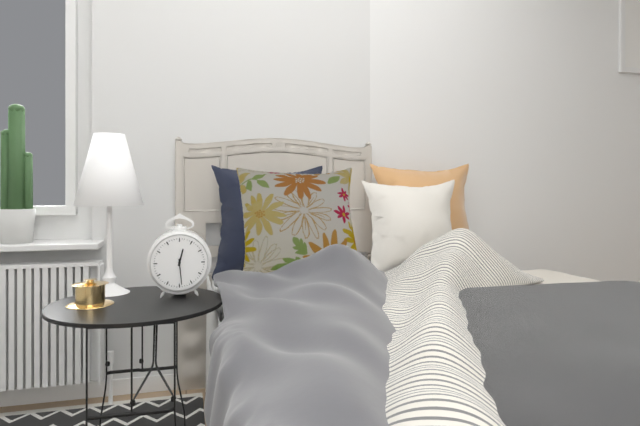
12:29
